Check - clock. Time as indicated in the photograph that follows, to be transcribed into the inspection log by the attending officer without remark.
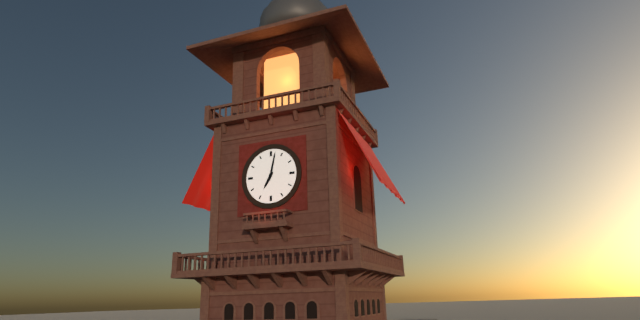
7:02
